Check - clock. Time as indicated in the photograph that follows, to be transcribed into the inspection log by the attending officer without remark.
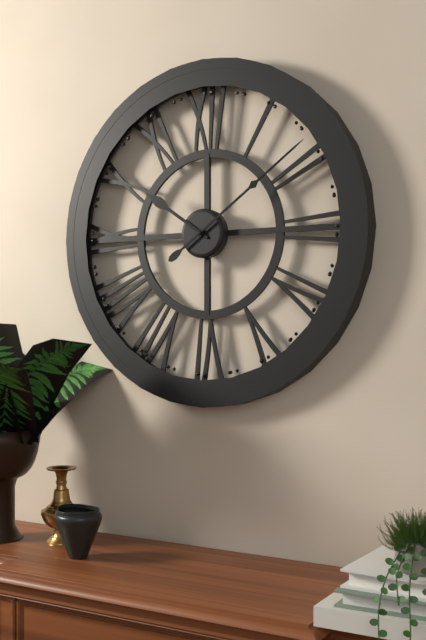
10:09
